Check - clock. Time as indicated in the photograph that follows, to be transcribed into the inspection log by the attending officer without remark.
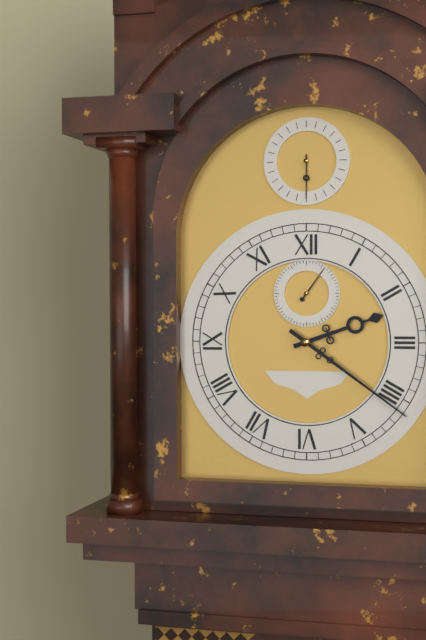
2:21
